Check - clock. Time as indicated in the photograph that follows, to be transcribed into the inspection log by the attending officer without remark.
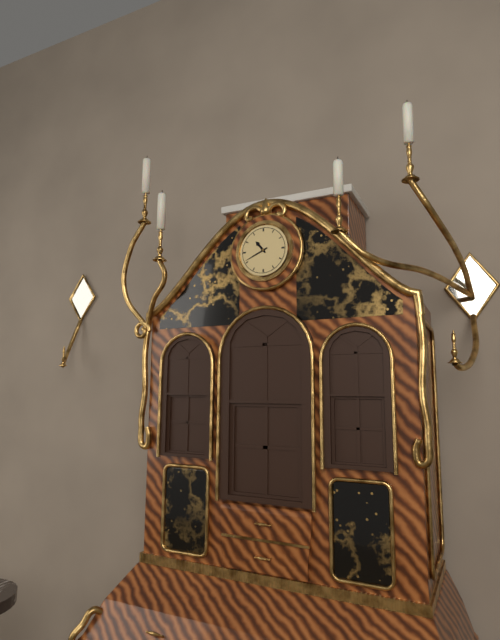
10:41
